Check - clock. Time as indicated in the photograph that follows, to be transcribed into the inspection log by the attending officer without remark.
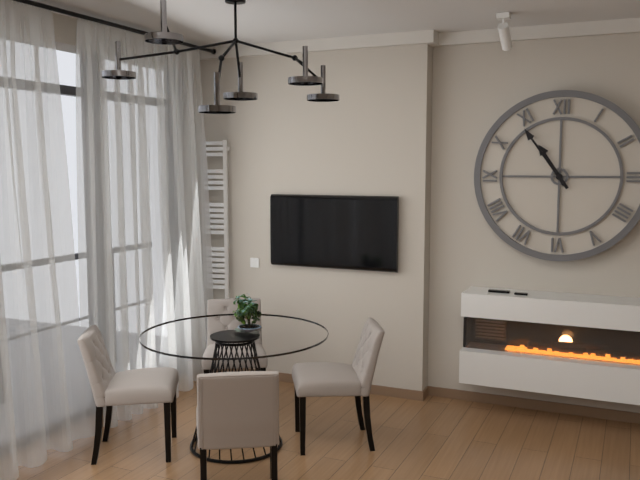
10:54
